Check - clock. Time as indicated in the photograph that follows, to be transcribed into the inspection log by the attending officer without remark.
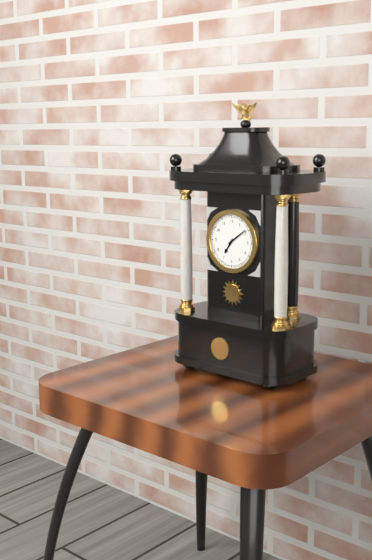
7:09
